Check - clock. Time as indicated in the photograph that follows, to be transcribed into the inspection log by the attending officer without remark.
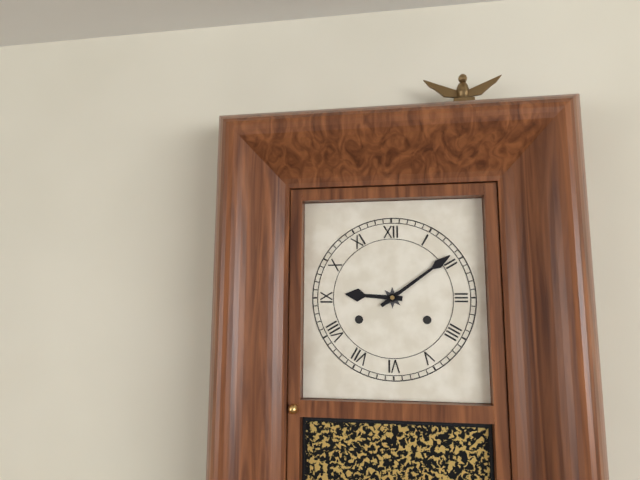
9:09
